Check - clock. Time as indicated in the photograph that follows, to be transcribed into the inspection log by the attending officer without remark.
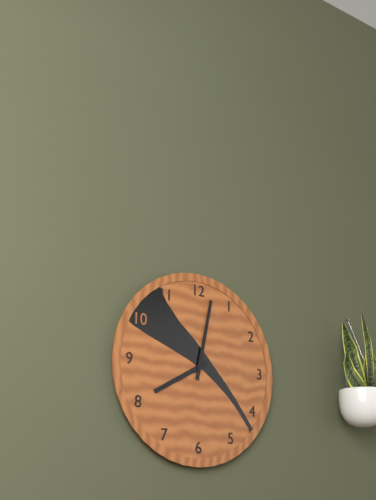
8:02
